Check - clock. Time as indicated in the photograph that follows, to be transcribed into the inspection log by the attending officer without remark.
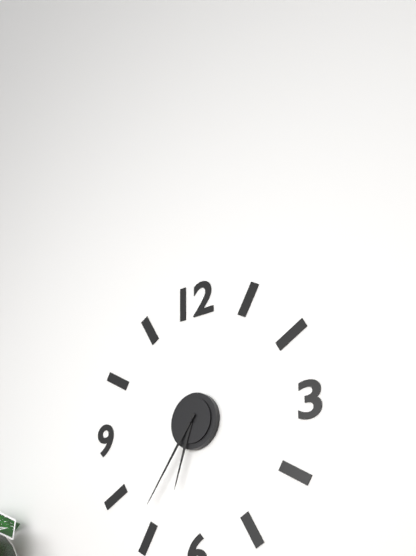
6:36
